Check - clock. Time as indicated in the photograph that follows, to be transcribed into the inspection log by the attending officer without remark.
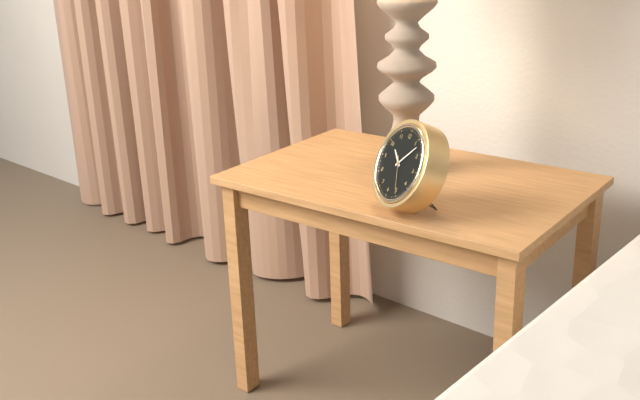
10:07
